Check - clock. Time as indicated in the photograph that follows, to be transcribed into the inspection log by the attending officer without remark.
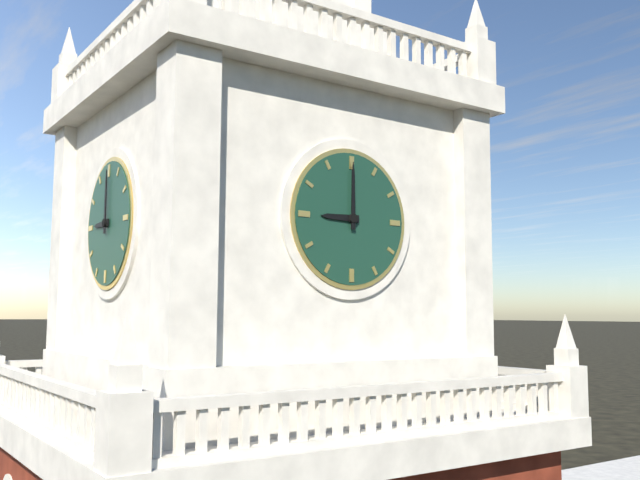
9:00
